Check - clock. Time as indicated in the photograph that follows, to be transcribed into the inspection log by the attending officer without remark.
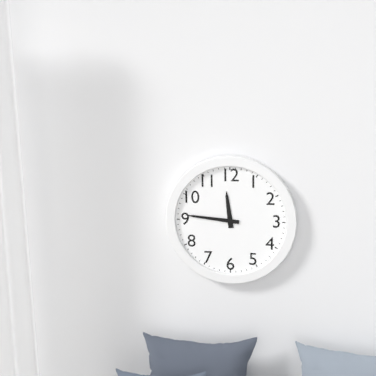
11:46
